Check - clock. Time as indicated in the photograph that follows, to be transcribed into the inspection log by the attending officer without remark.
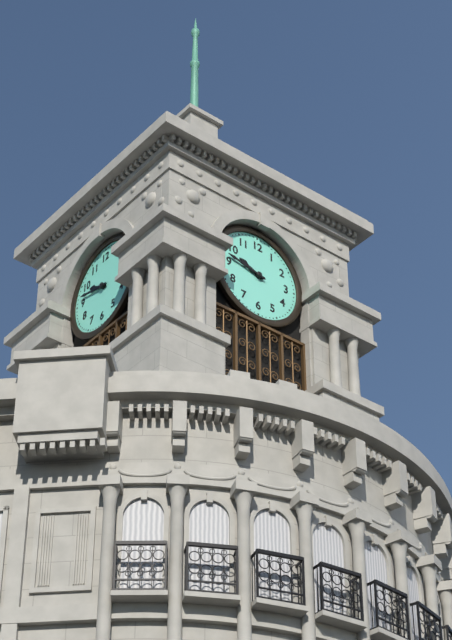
9:47
